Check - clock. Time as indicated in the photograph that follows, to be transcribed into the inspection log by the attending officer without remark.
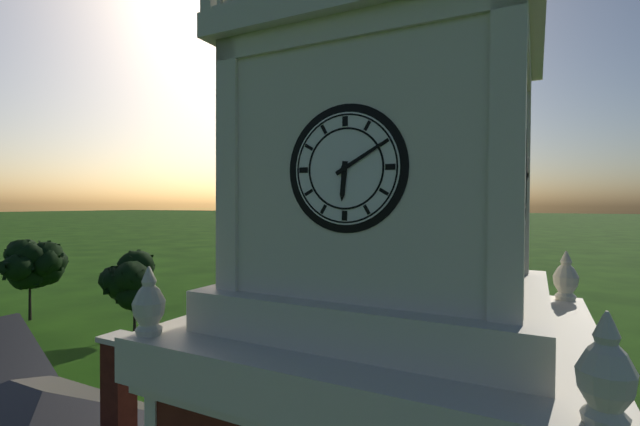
6:10
